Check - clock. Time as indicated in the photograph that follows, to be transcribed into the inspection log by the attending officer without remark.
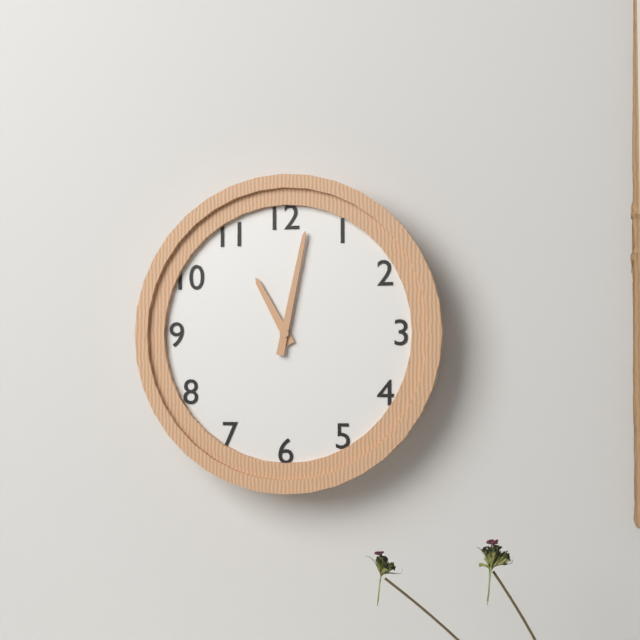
11:02
